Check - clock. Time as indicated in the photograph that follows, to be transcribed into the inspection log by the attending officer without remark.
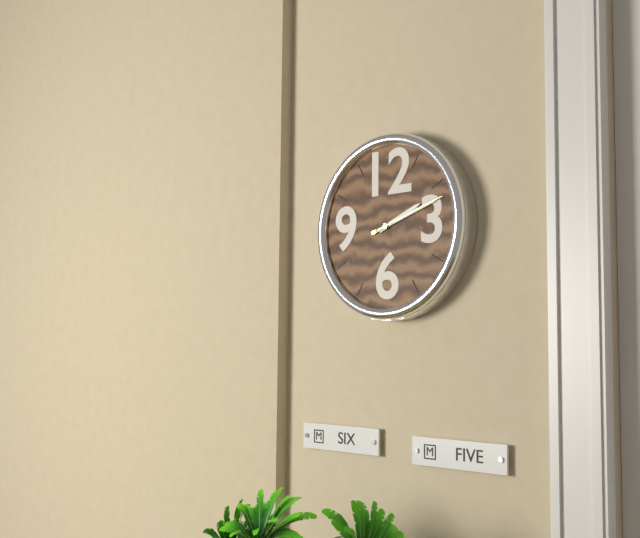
2:12:12
